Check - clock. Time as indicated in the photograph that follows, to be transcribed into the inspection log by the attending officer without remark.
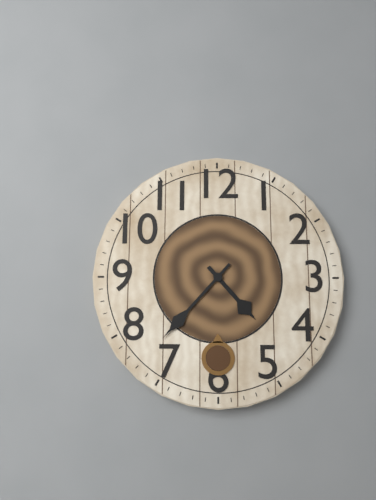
4:37
